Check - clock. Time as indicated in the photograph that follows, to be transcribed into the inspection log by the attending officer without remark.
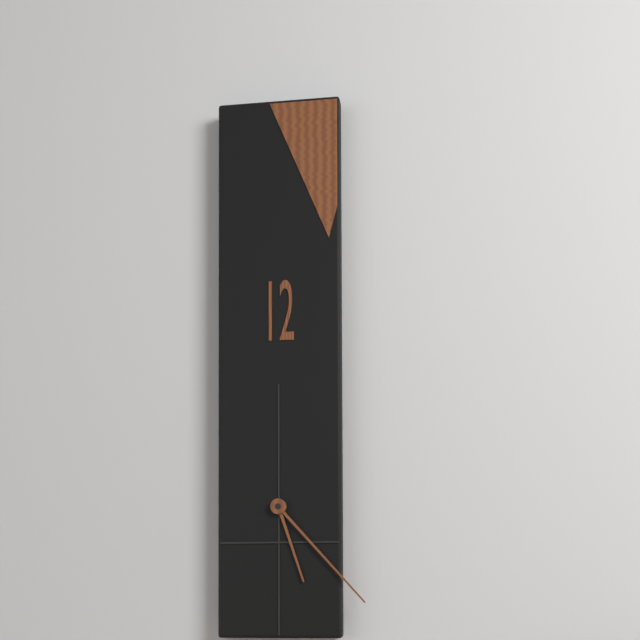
5:23
